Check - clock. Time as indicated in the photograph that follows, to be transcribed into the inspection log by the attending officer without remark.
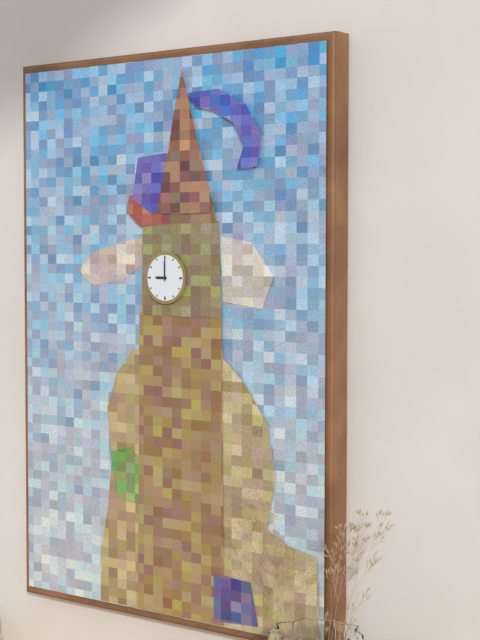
9:00
